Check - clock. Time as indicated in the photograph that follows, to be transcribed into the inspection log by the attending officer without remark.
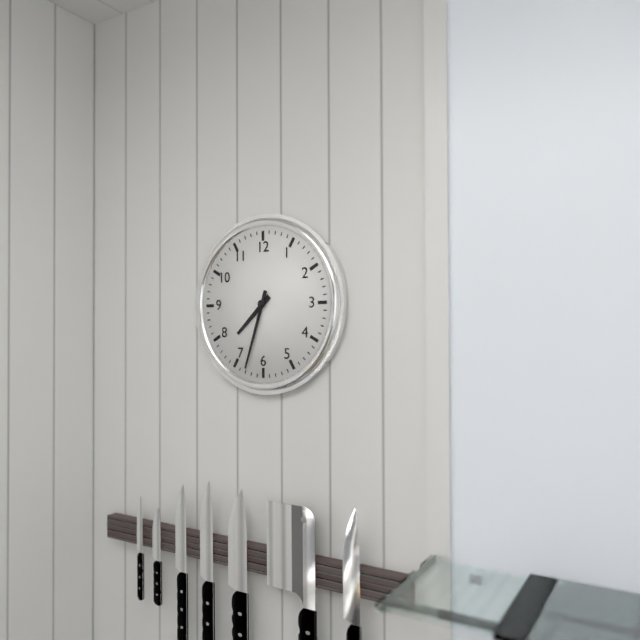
7:33
